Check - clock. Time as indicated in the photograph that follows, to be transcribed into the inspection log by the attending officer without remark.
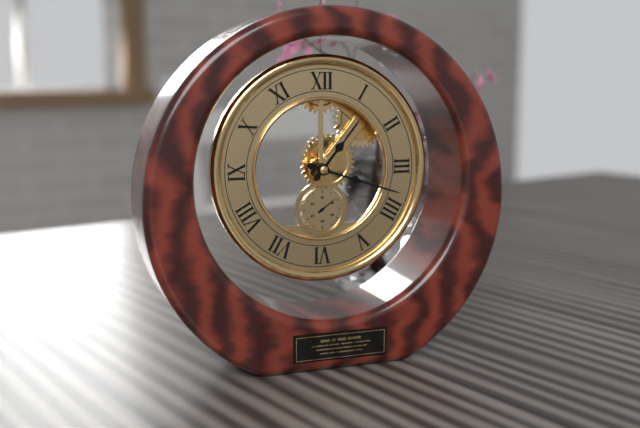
1:18
